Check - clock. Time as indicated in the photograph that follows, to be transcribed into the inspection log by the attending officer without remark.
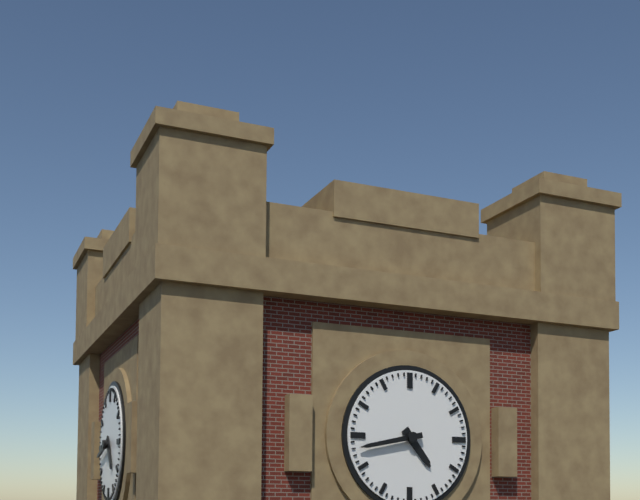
4:43
